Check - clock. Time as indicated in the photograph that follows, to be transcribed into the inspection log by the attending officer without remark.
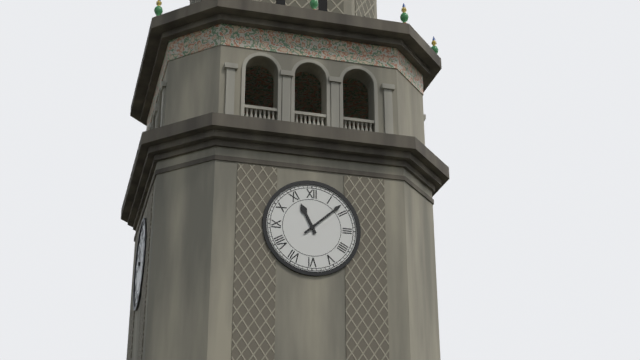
11:08
